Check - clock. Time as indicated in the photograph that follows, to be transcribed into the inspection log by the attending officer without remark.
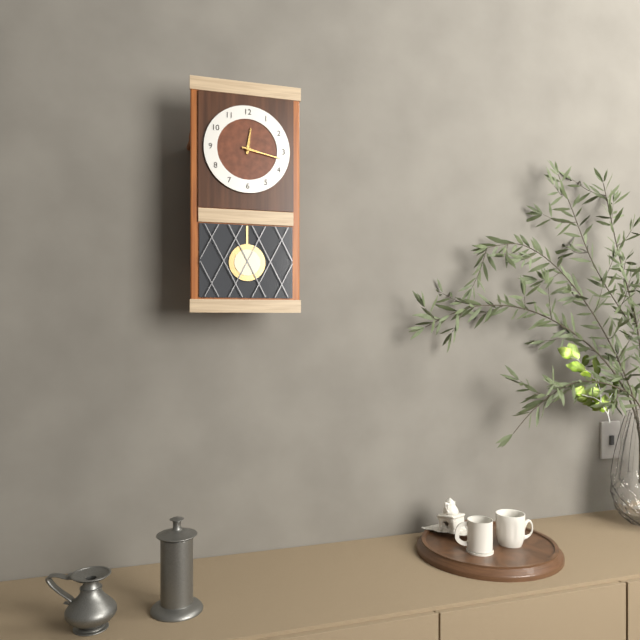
12:17
